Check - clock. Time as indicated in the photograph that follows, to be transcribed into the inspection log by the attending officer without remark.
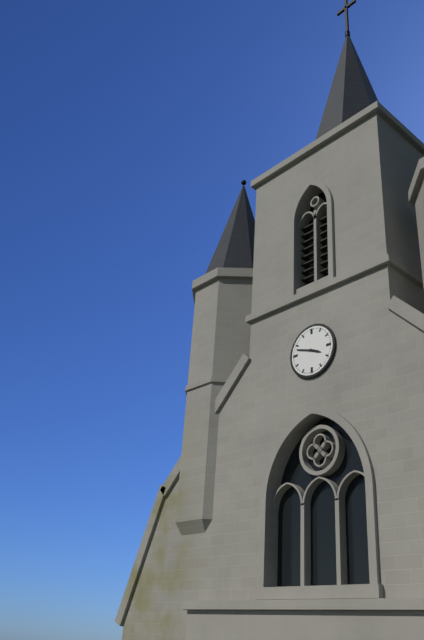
3:48
